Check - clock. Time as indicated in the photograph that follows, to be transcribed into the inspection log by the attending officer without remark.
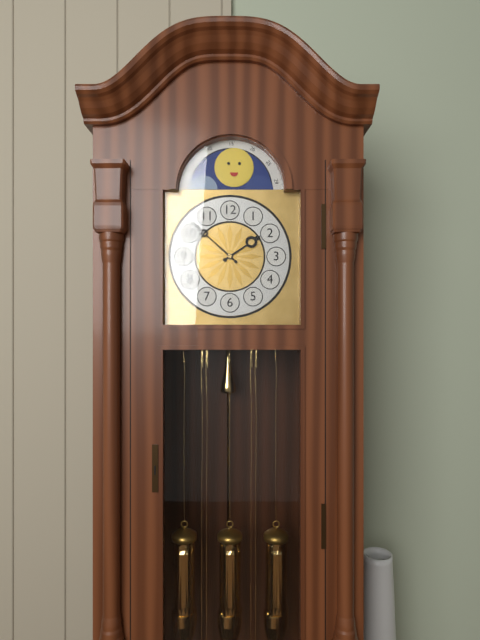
1:52
